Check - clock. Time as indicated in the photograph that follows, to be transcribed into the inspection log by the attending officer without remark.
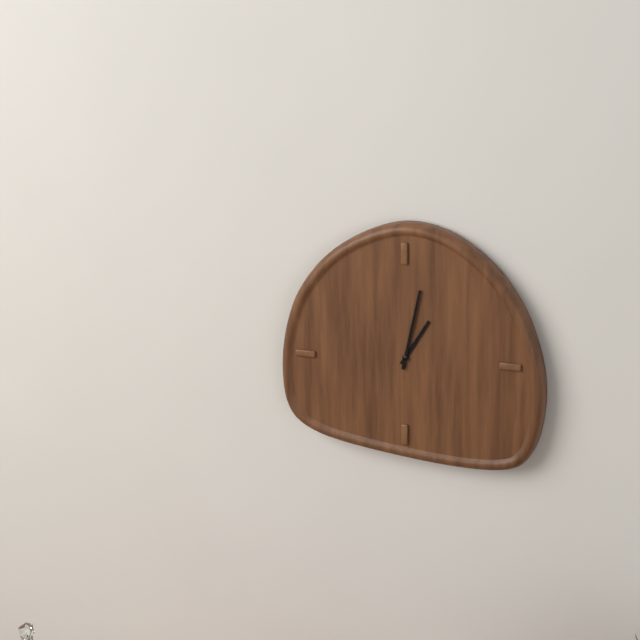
1:02
